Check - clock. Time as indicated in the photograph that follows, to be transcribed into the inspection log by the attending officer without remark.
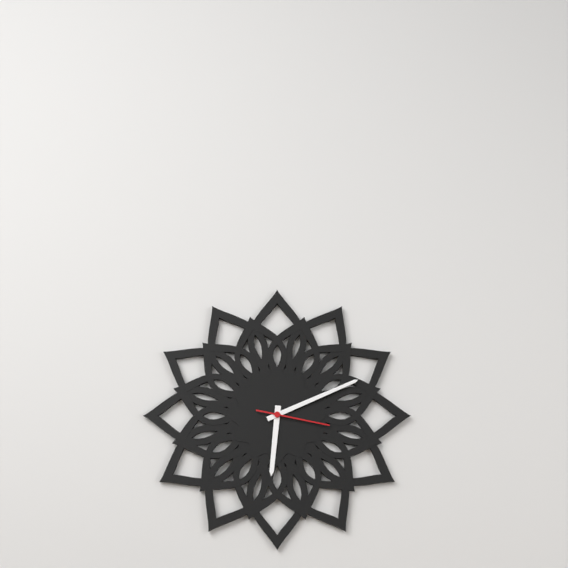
6:11:17
